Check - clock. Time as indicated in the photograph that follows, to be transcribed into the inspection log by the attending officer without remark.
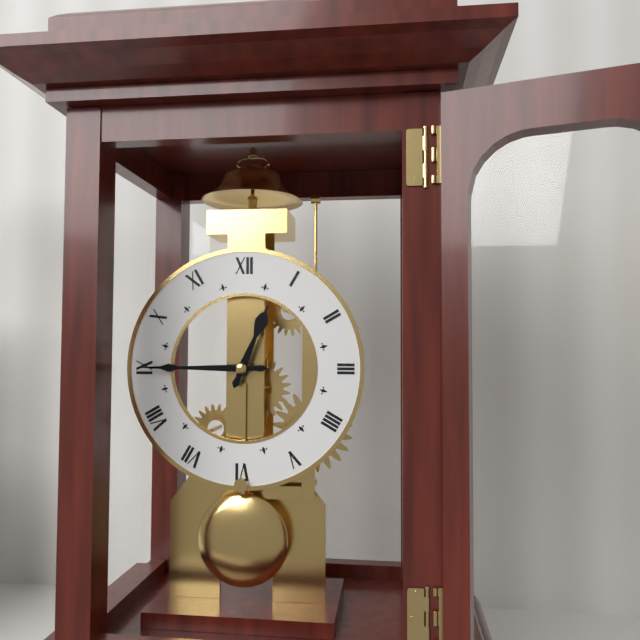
12:45
